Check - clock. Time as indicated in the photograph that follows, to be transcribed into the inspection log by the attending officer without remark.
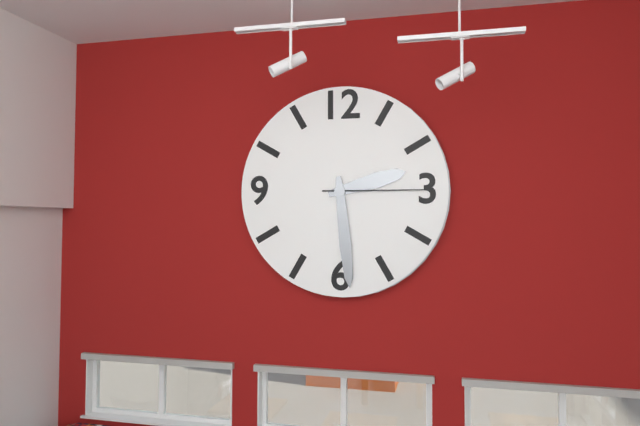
2:29:15
